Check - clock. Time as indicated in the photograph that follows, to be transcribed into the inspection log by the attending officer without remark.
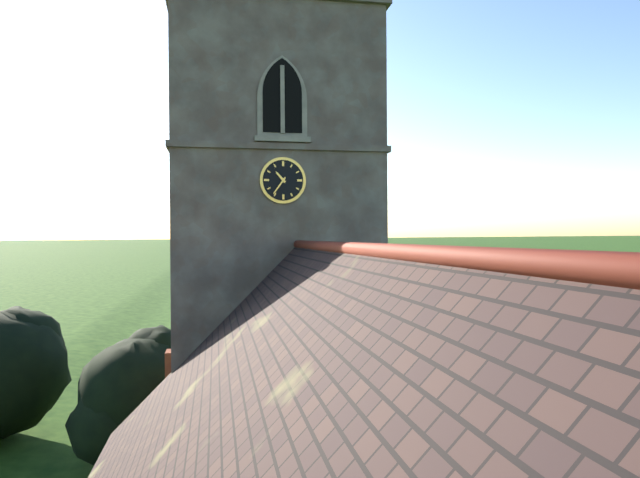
10:36
